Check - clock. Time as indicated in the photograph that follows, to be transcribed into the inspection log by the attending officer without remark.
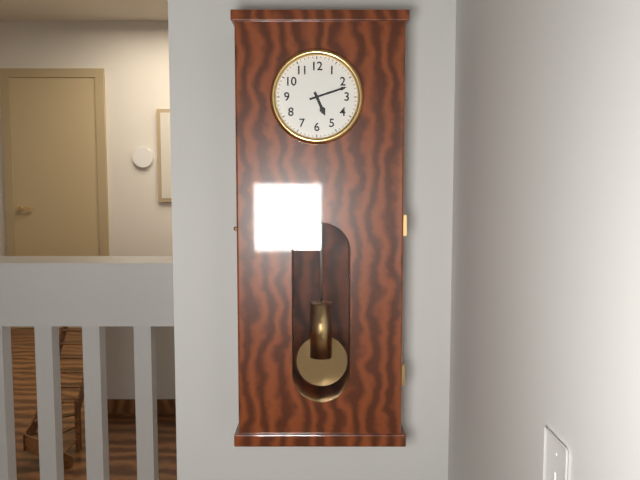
5:12
